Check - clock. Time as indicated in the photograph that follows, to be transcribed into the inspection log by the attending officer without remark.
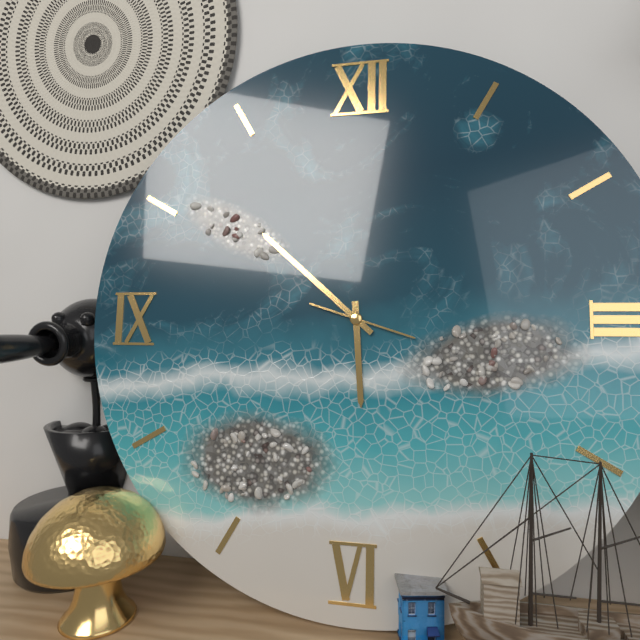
5:52:18
